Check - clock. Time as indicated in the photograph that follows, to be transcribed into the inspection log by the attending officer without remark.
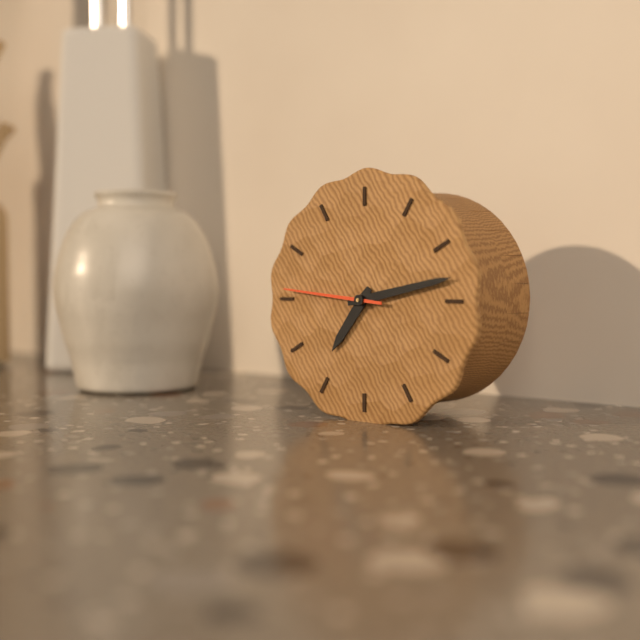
7:13:46
